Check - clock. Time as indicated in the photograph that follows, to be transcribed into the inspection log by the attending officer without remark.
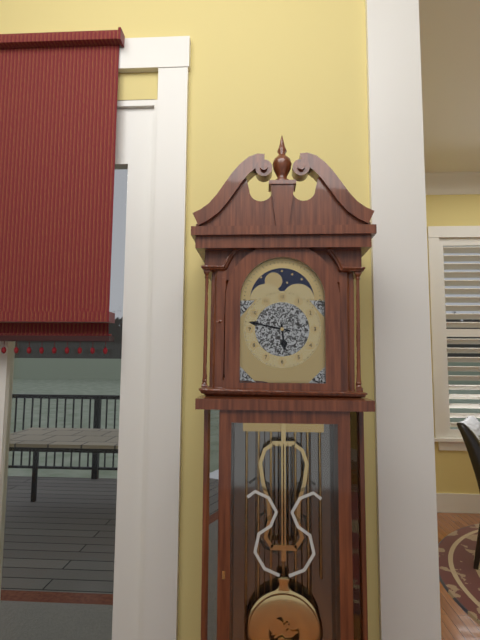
5:47
